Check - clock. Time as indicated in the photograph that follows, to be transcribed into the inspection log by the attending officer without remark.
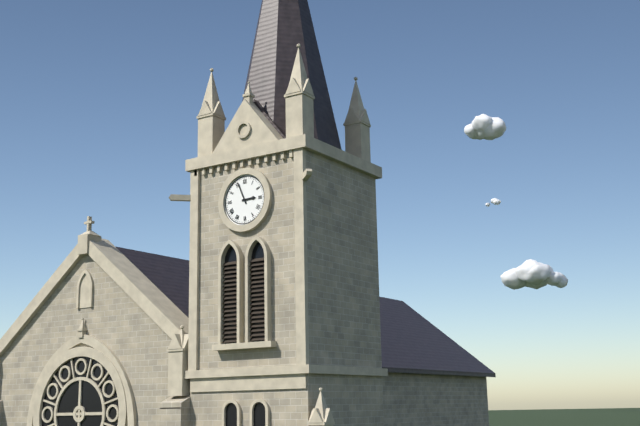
2:56
